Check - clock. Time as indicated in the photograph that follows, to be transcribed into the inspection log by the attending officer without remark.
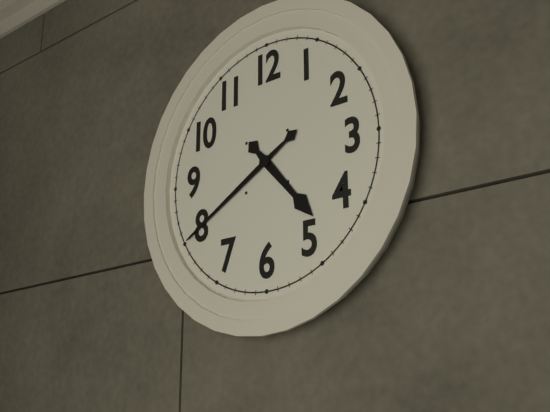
4:40
